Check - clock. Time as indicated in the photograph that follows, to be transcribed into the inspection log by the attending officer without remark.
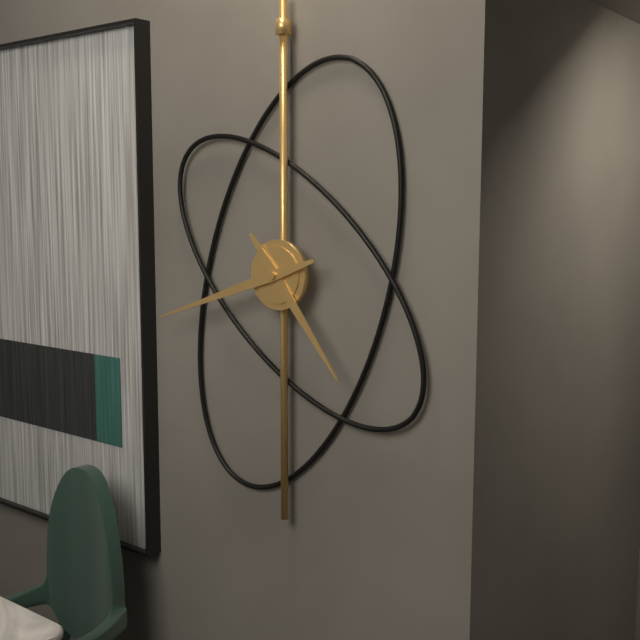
4:42
